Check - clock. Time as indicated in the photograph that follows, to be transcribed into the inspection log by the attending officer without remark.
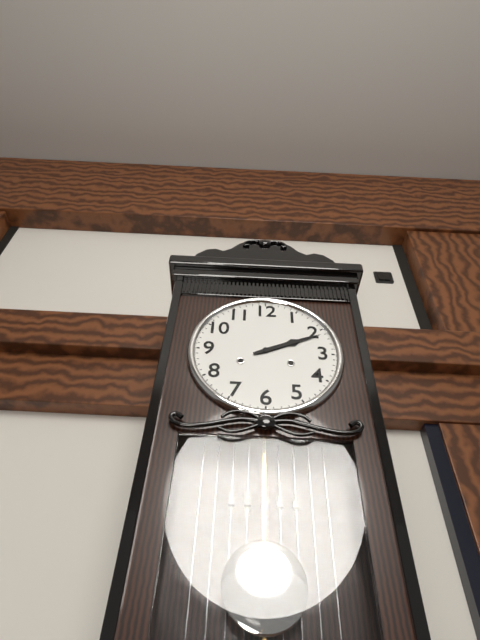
2:11
